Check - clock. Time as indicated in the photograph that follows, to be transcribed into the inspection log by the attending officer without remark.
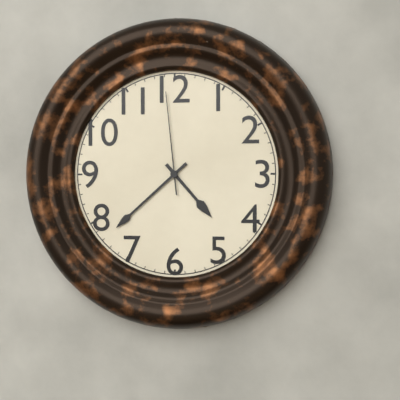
4:38:59
